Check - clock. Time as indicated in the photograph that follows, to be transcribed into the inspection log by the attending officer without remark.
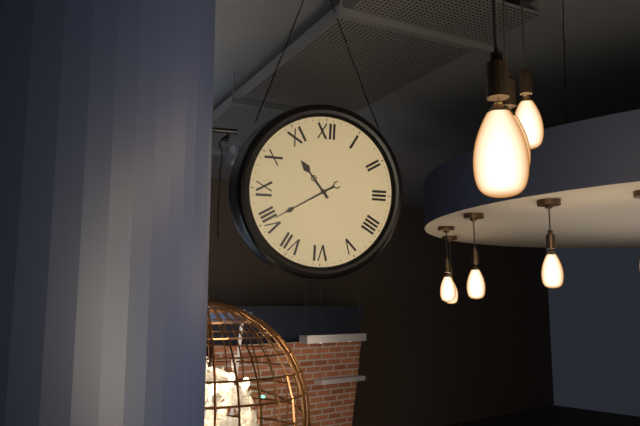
10:40
